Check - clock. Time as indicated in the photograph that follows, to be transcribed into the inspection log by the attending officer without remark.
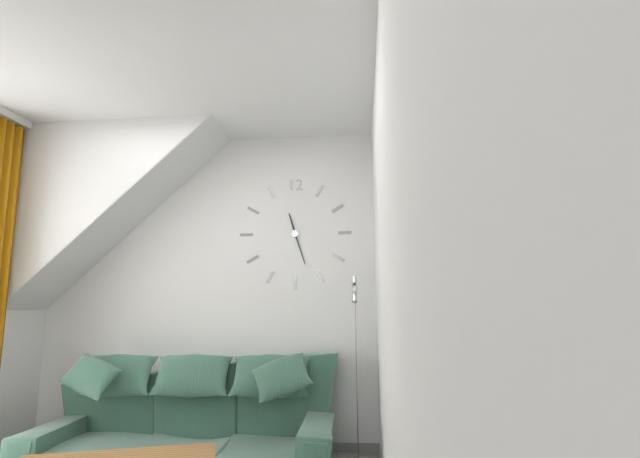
11:27
